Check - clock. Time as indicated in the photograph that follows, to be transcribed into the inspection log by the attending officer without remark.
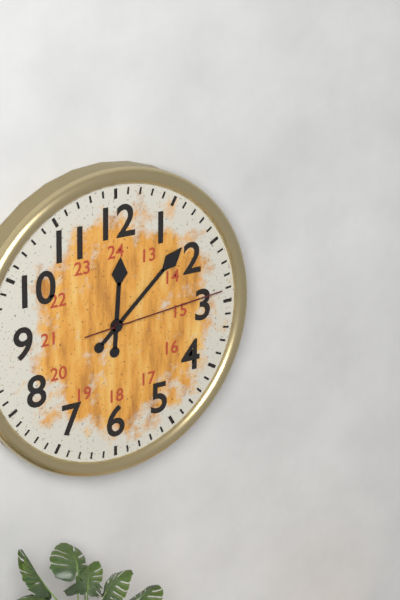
12:08:14
